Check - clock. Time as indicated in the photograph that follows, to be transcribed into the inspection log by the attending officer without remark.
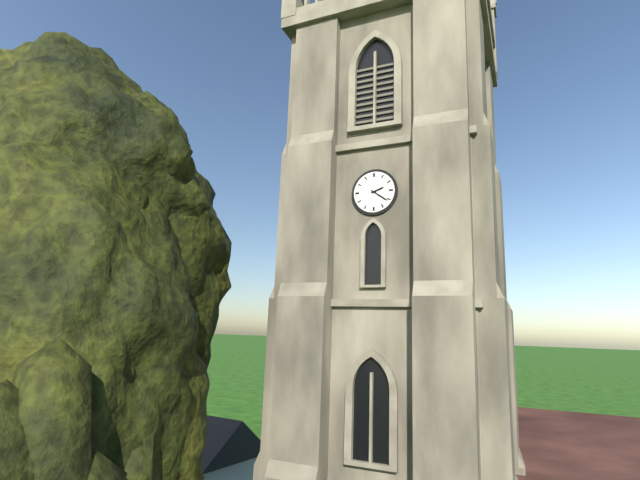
2:21
